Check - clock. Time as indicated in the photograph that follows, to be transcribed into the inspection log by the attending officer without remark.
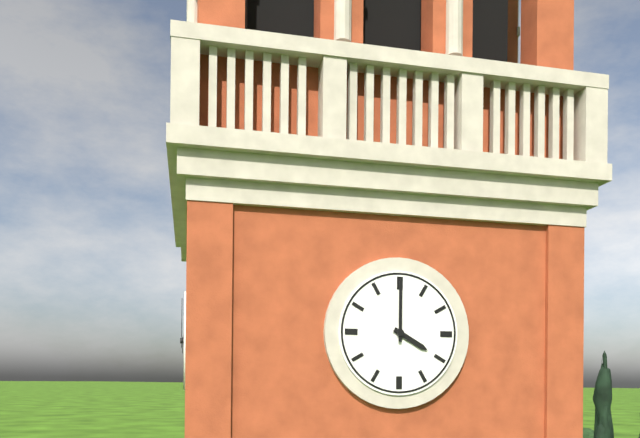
4:00
